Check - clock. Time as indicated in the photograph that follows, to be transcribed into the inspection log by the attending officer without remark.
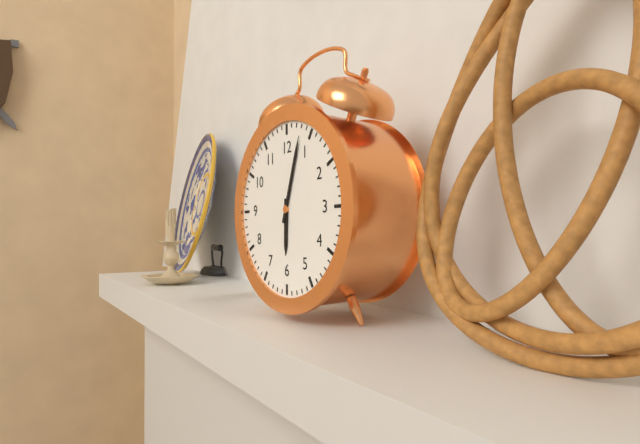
6:03
